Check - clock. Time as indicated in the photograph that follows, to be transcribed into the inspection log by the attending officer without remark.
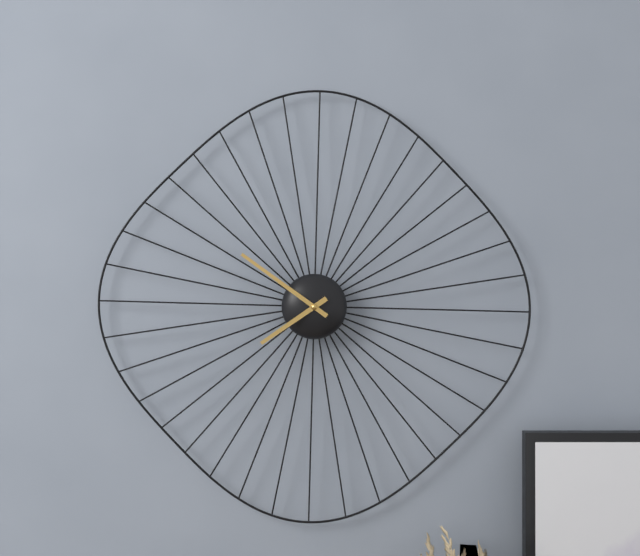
7:51
